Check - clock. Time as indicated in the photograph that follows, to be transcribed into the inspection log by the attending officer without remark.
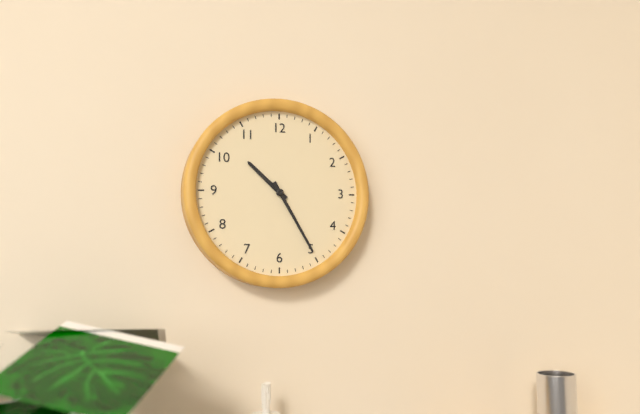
10:25
